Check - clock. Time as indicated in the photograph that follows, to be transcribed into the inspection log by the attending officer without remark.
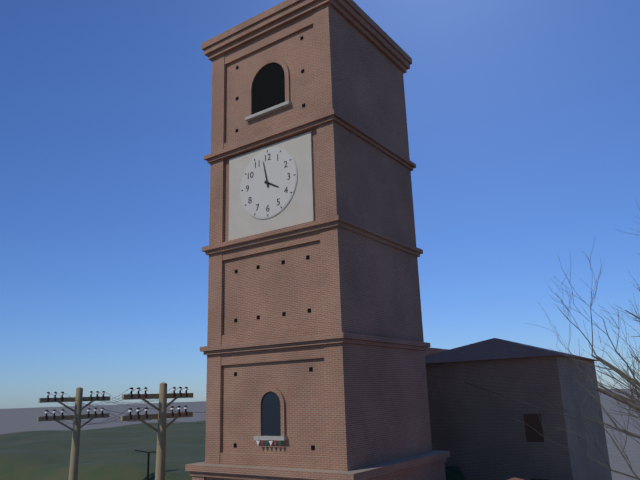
3:58
